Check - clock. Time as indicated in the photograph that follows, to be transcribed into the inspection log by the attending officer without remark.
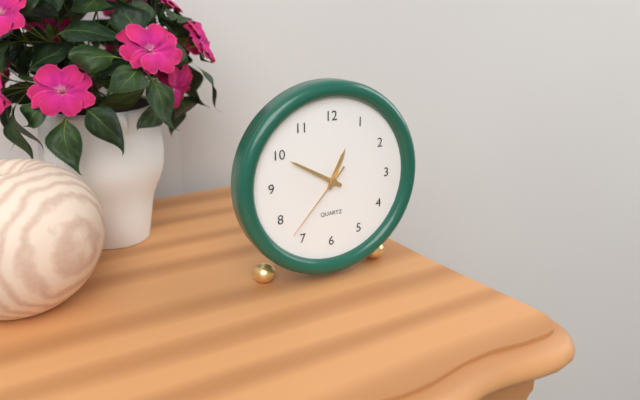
12:50:37
